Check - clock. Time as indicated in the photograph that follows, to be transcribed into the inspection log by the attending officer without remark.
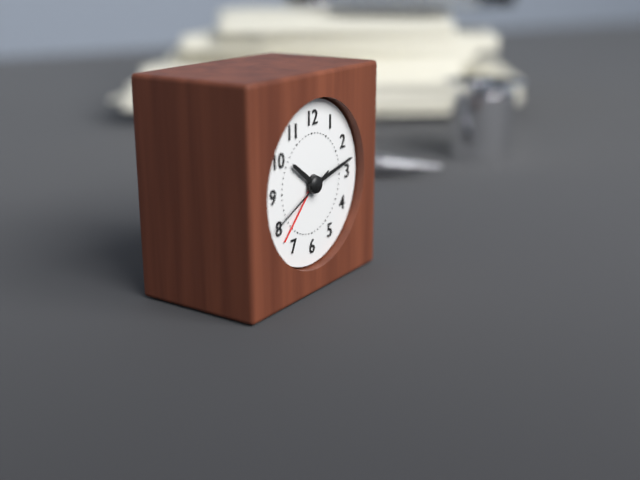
10:13:41
